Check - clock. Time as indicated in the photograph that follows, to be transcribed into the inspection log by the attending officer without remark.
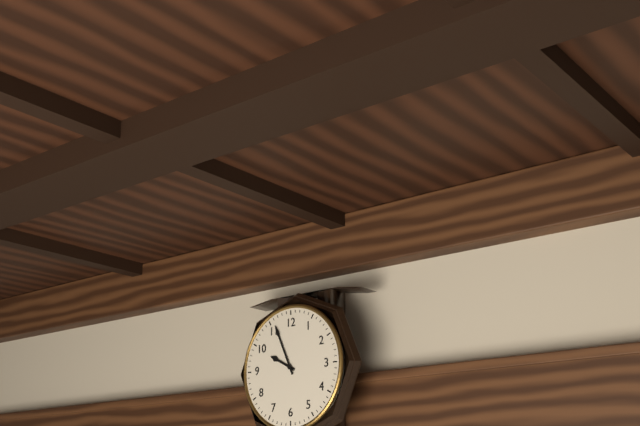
9:56
